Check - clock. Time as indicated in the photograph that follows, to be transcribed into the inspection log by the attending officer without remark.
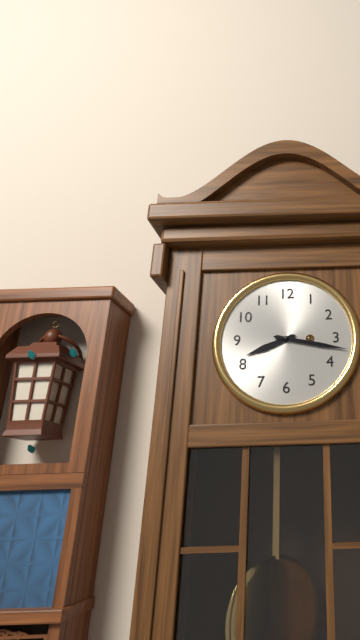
8:17
